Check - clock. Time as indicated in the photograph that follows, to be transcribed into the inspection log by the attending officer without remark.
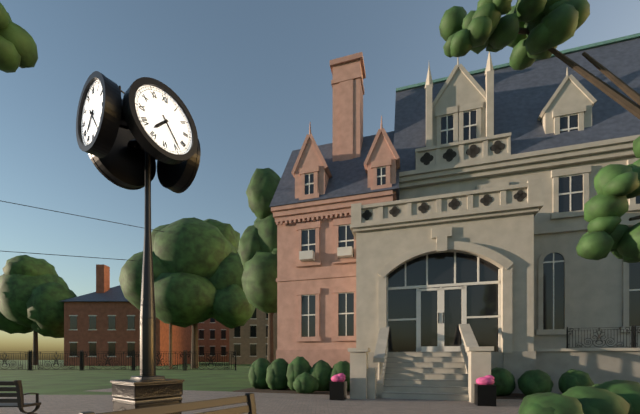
7:24
